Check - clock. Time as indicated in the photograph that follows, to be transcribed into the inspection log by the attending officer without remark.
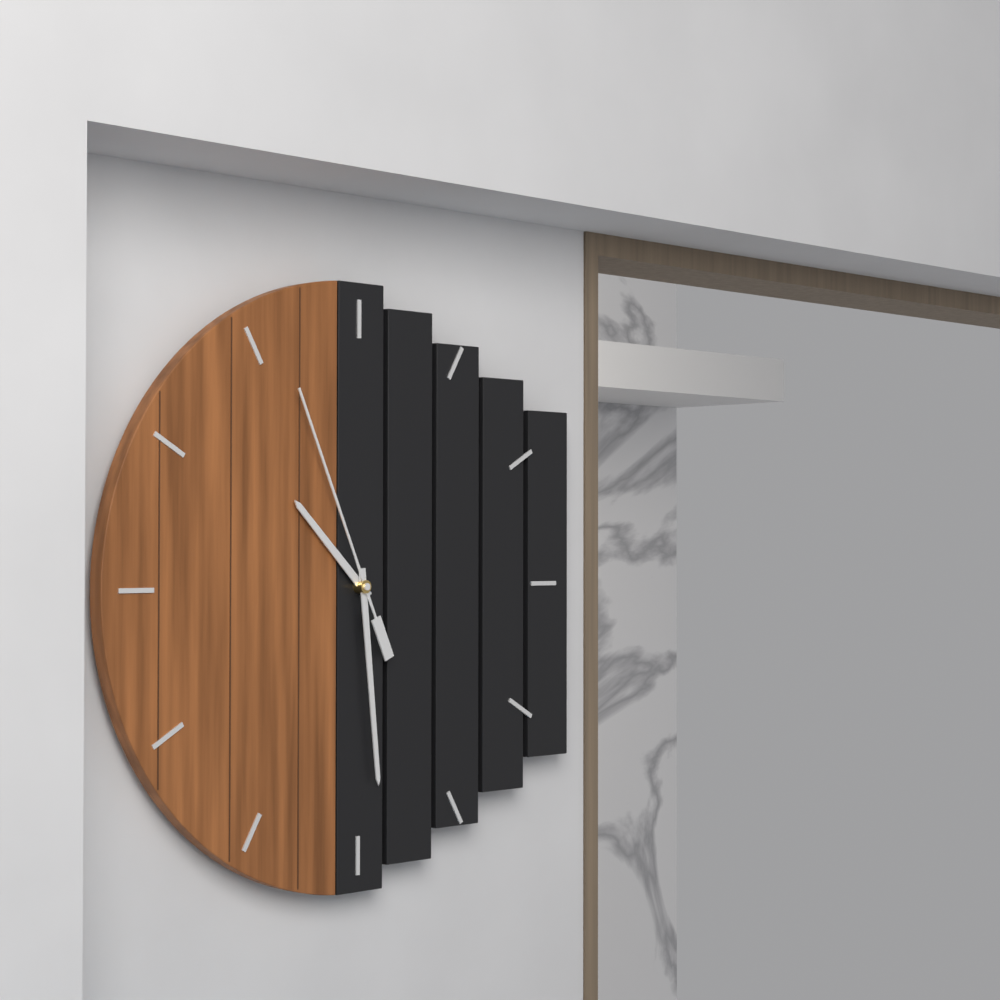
10:29:56
